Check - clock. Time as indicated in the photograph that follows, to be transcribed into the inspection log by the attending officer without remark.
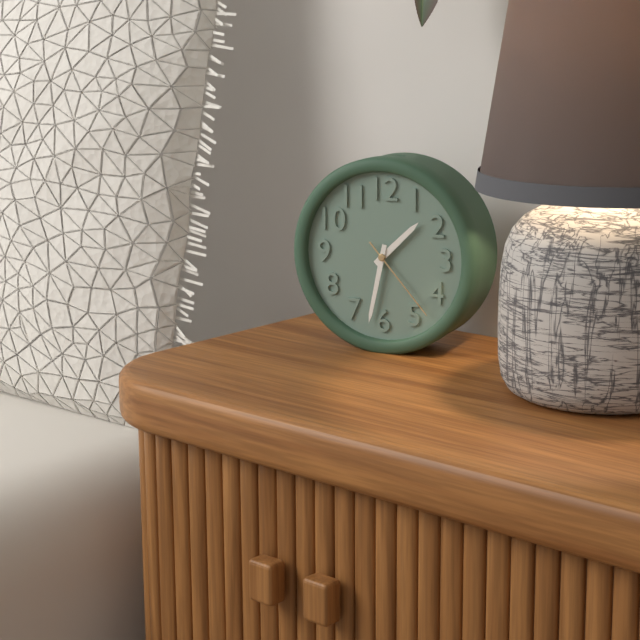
1:32:23
